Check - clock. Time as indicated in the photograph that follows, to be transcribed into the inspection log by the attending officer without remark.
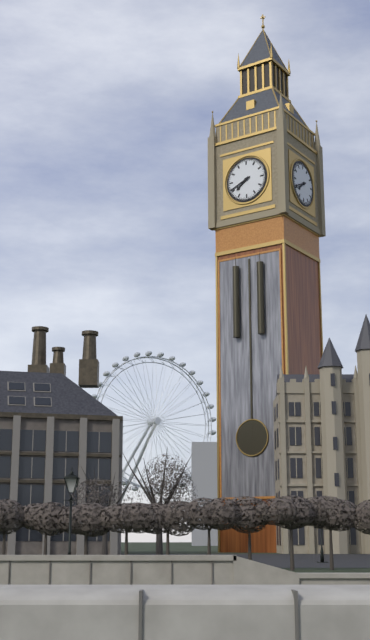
7:41
